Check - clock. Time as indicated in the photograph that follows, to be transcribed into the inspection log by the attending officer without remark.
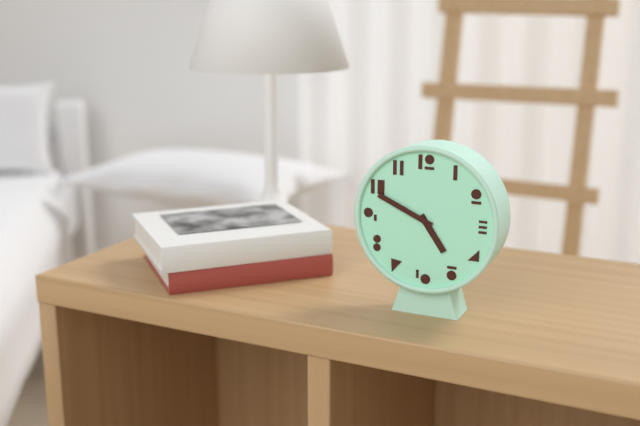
4:49
